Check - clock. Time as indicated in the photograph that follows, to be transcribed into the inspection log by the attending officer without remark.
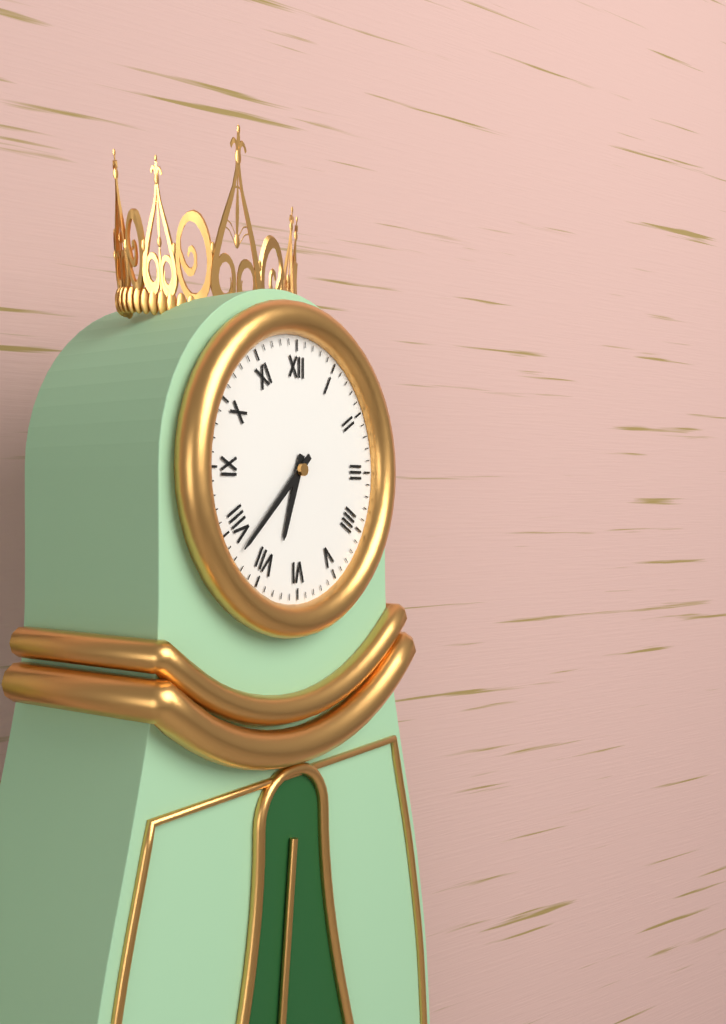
6:38
